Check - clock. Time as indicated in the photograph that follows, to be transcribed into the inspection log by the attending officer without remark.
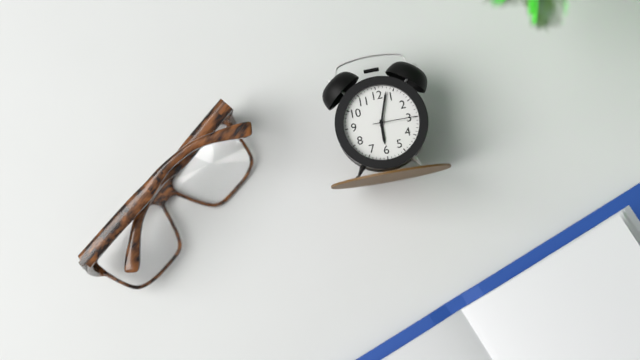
6:03
